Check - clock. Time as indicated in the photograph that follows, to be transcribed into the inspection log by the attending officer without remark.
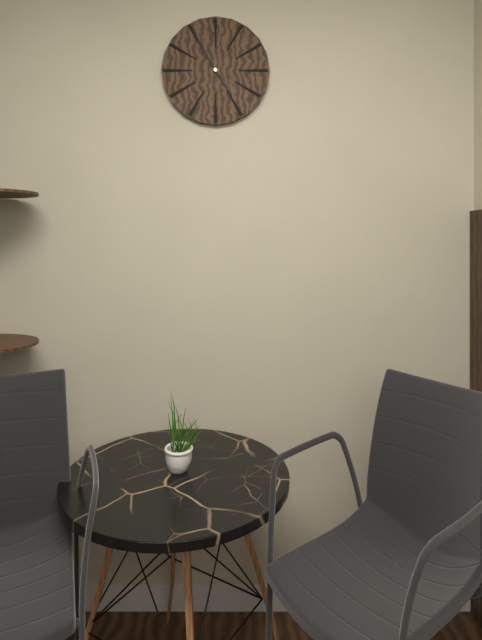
4:55
